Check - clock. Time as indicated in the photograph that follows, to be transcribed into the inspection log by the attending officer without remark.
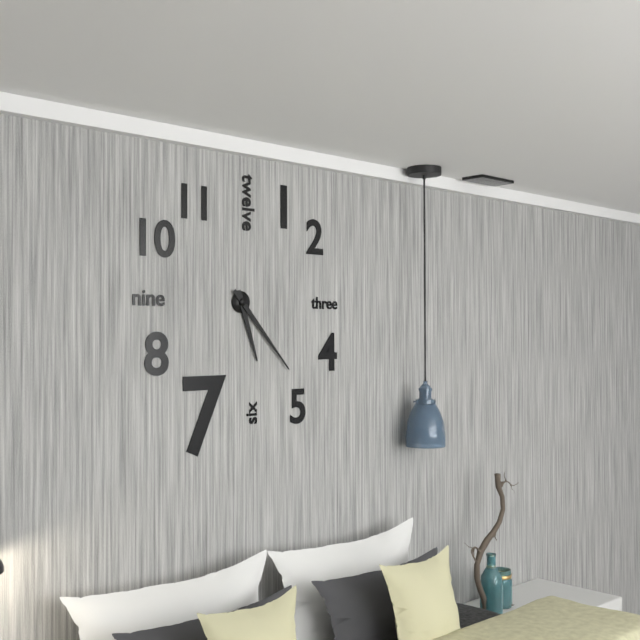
5:23
